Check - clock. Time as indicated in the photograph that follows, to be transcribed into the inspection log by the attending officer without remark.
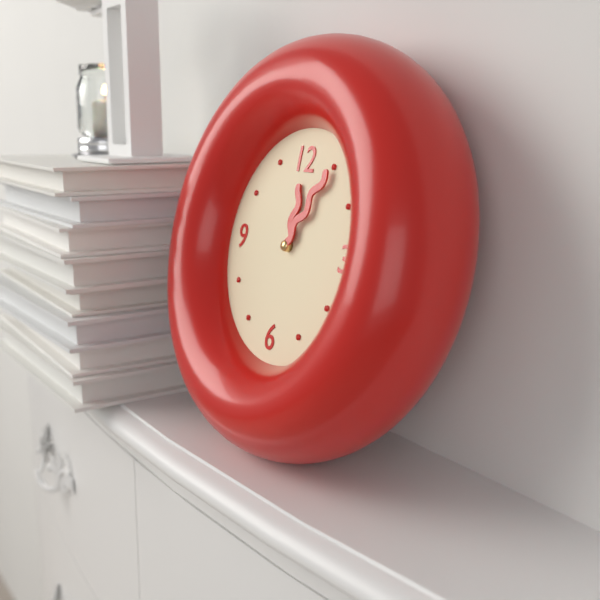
12:05
